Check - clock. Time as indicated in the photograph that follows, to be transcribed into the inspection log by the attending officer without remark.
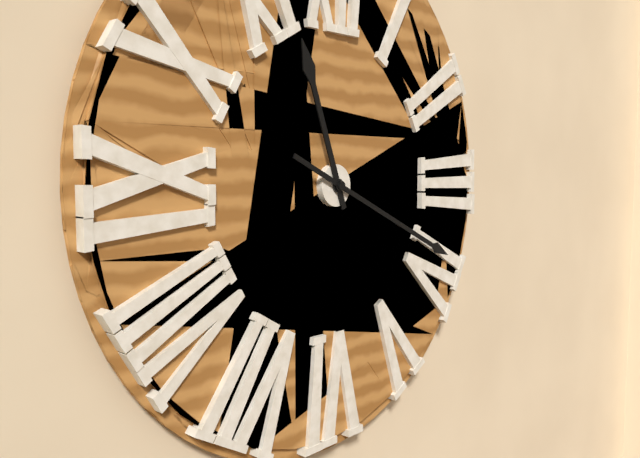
11:19
